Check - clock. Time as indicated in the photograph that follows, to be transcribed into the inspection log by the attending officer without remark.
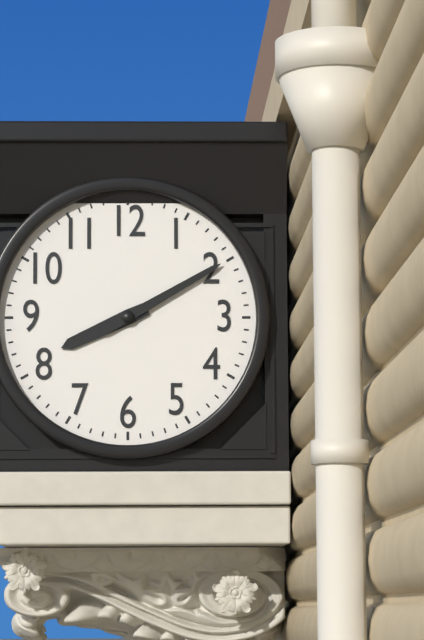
8:10
